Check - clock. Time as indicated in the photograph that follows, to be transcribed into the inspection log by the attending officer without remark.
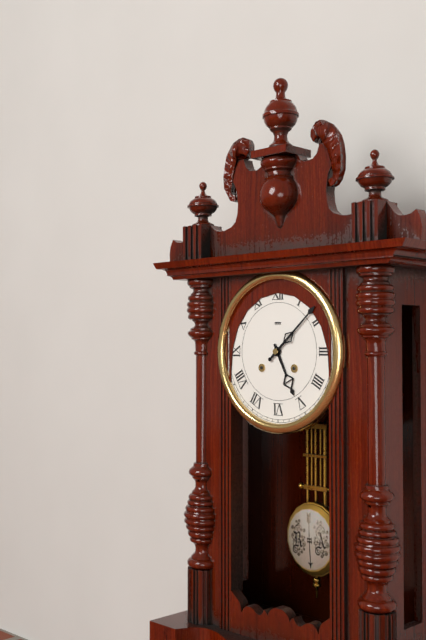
5:08
